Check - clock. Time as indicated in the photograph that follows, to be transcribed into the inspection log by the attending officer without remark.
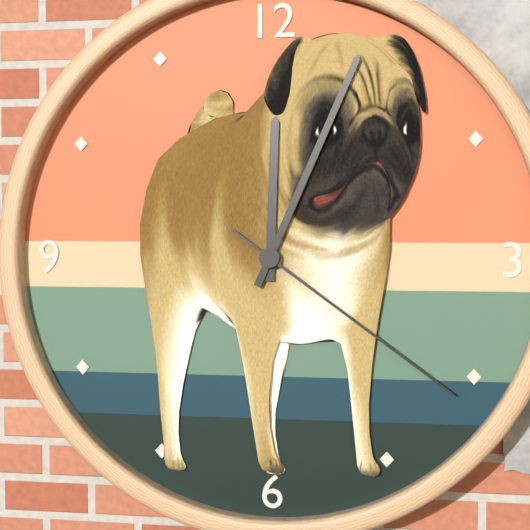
12:04:21
